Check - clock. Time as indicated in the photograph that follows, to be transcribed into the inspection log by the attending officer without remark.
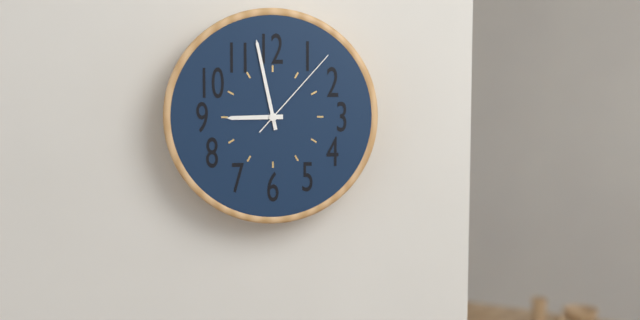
8:58:07
